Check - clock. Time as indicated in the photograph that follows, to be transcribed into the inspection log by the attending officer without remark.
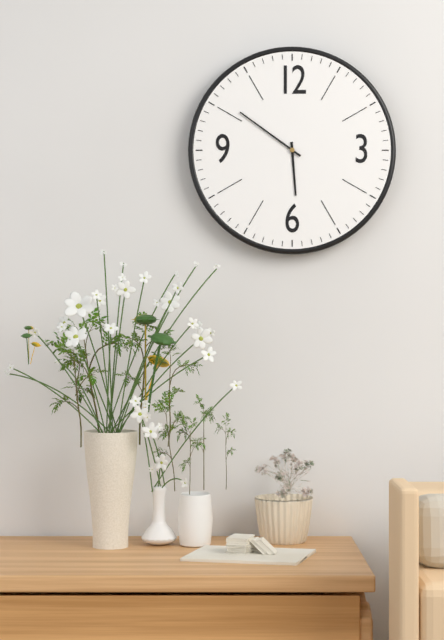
5:51
